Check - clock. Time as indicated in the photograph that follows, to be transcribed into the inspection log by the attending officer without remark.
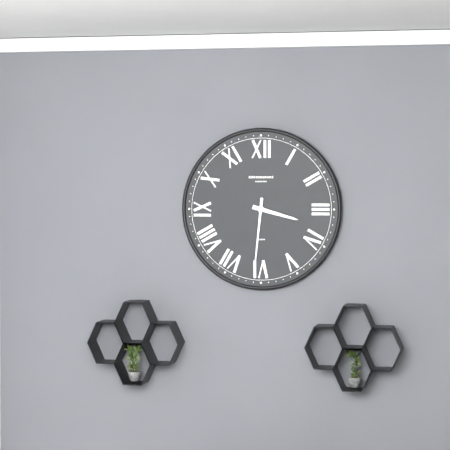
3:31
